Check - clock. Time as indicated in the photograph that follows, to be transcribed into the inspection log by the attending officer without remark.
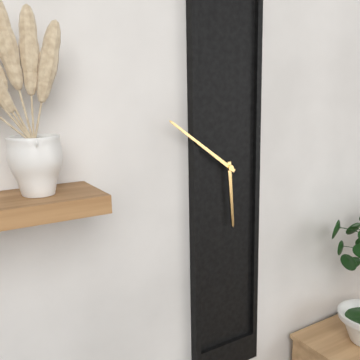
5:51
